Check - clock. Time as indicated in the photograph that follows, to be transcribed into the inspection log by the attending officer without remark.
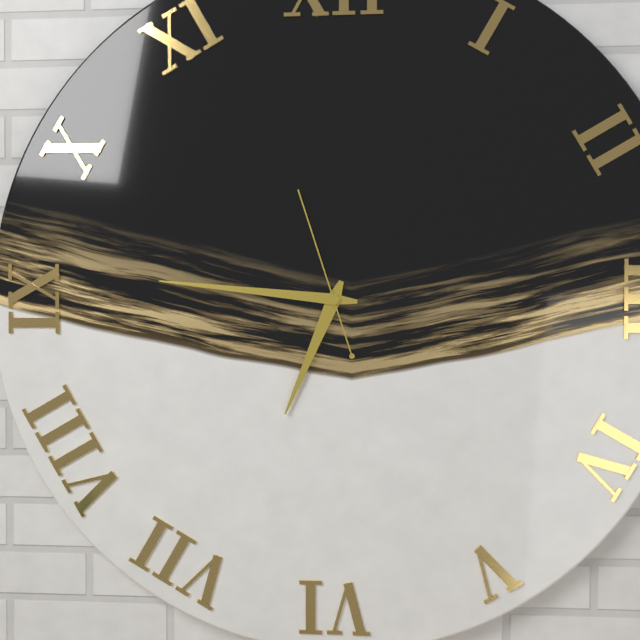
6:46:57
